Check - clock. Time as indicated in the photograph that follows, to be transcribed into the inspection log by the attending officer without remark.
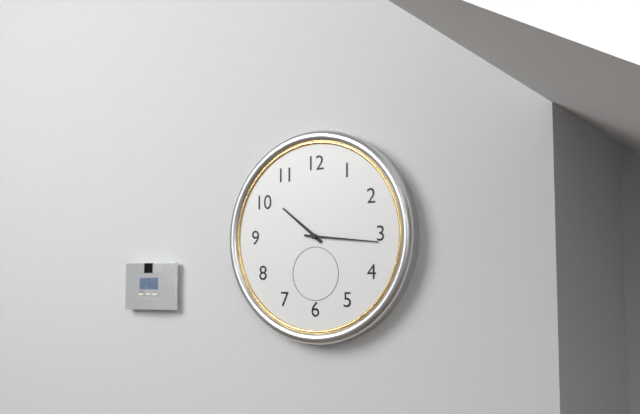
10:16
